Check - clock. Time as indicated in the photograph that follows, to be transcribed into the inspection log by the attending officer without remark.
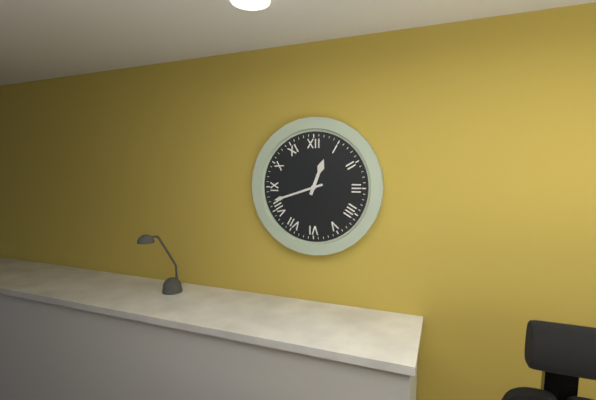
12:42
